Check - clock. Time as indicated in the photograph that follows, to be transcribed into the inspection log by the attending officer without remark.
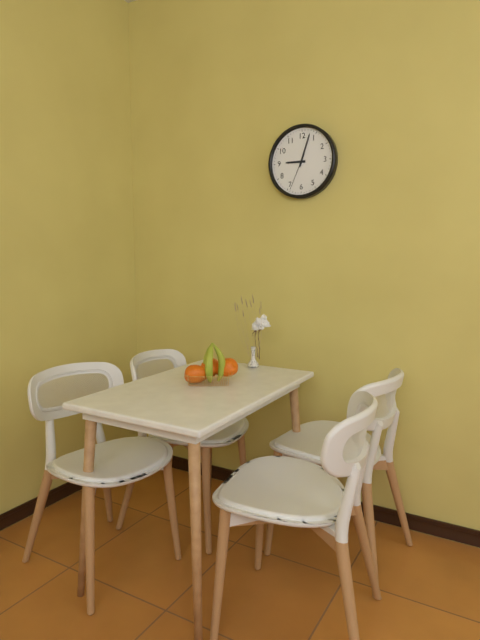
9:03
